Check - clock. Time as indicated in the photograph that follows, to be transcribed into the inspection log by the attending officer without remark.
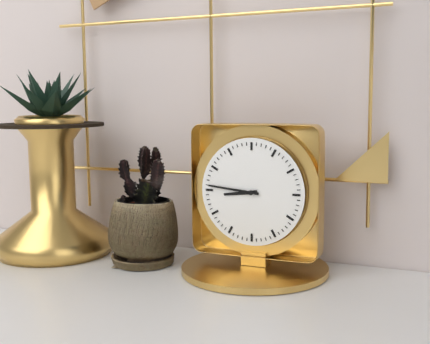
8:46
